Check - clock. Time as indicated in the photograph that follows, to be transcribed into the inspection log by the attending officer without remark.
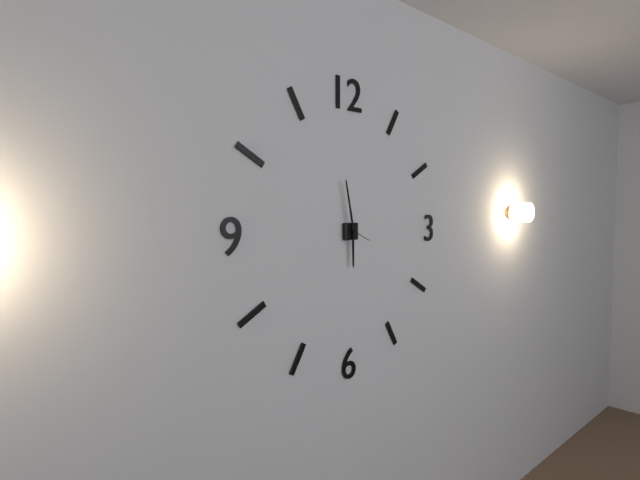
5:58
